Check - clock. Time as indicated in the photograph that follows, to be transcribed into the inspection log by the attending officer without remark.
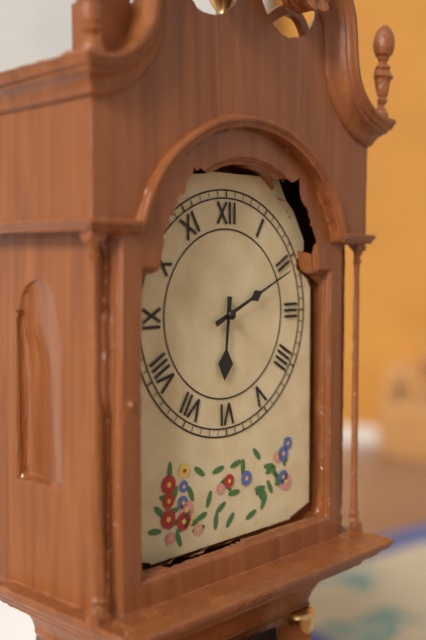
6:11
